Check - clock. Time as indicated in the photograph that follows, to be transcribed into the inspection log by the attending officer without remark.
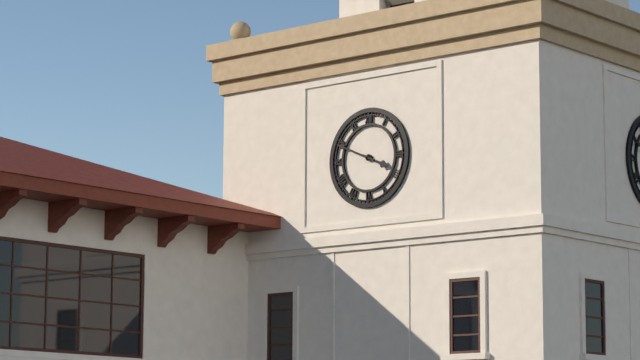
3:49
